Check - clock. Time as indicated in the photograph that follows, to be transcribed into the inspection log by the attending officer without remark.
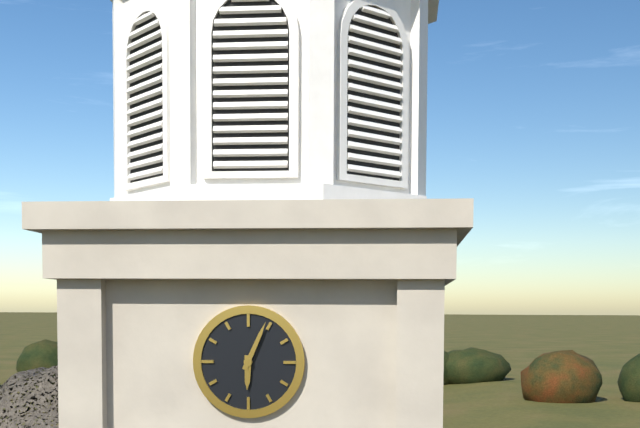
6:04
